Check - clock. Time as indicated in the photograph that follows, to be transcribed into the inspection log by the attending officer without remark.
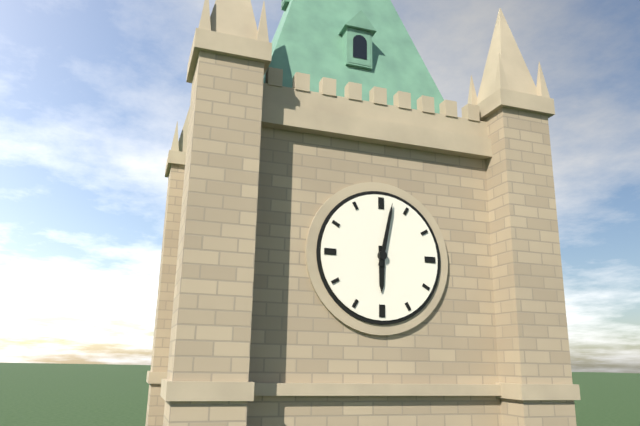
6:02
